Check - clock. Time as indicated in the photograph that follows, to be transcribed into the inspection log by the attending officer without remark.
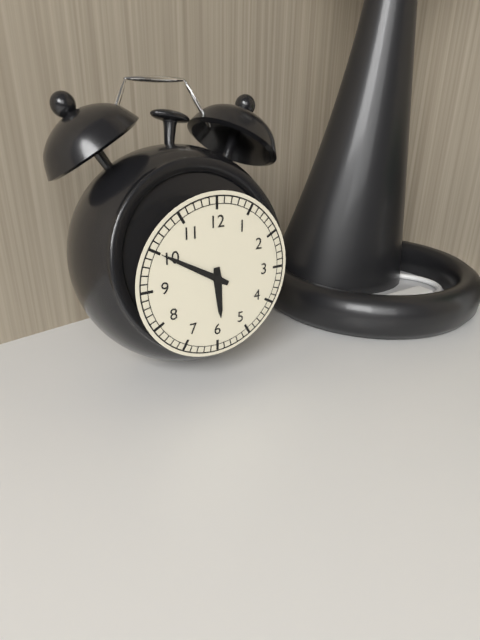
5:50
